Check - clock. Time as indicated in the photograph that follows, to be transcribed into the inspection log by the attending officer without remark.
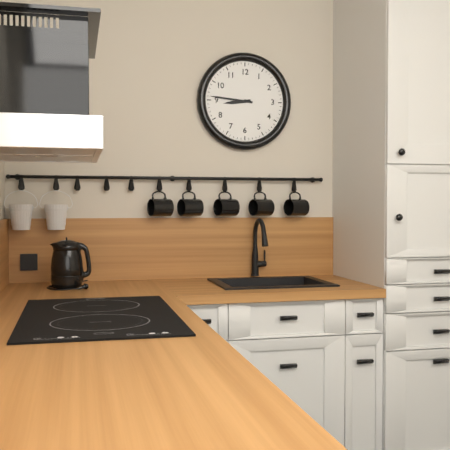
8:46
